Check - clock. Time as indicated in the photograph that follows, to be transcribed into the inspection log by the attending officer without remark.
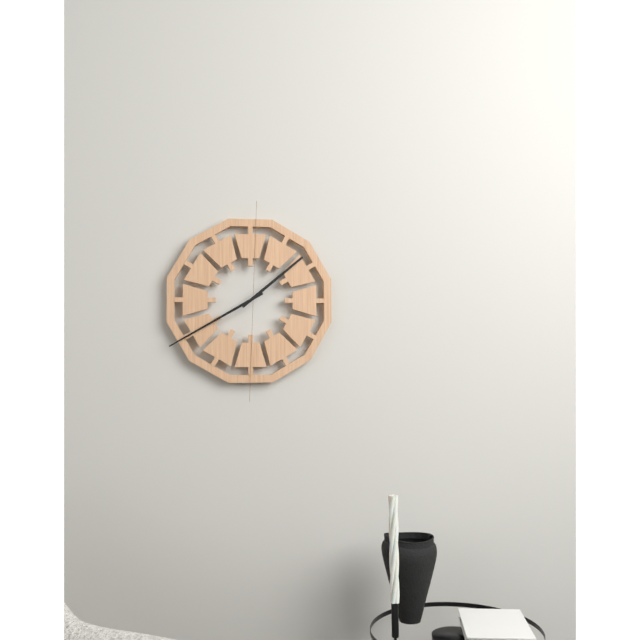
1:40
